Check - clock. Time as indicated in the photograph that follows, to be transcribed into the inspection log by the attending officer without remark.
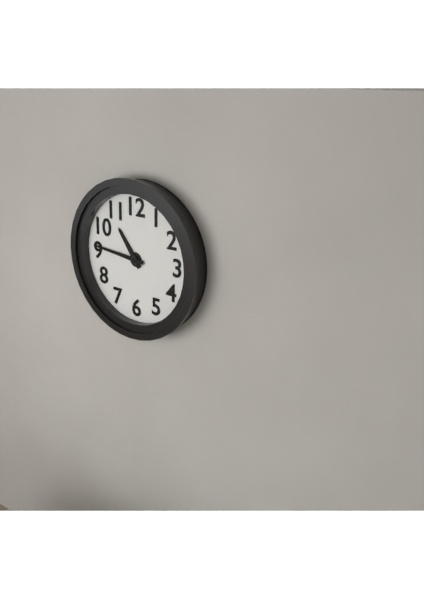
10:46
